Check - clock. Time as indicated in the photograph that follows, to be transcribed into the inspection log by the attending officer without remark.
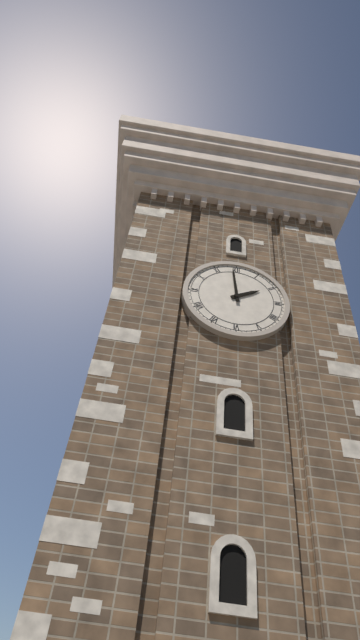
1:59
